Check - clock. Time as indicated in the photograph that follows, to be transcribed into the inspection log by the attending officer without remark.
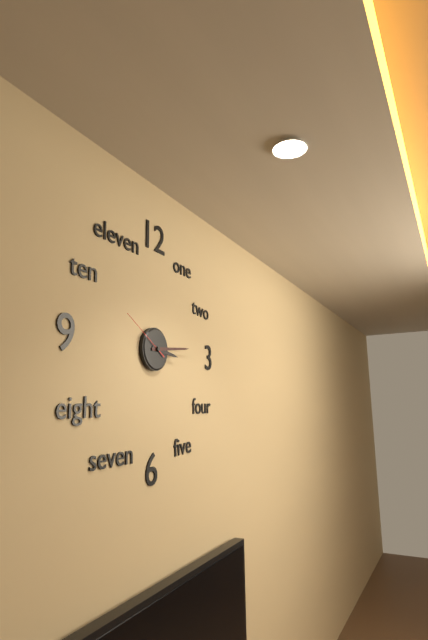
3:14:50
